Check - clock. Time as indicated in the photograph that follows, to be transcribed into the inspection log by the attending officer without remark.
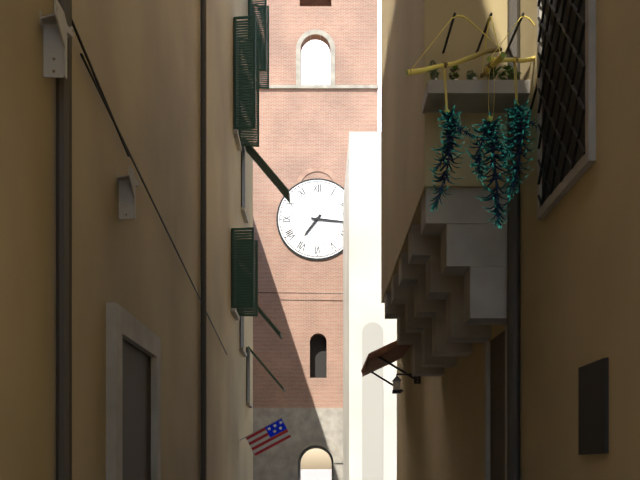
7:16
